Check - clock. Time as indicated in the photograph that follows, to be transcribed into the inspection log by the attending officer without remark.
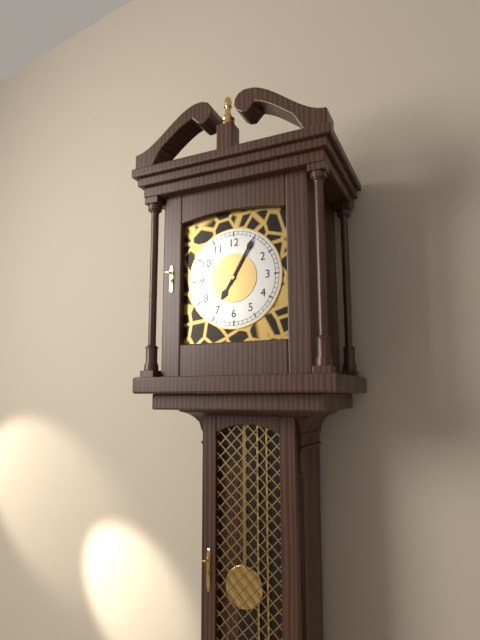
7:05
